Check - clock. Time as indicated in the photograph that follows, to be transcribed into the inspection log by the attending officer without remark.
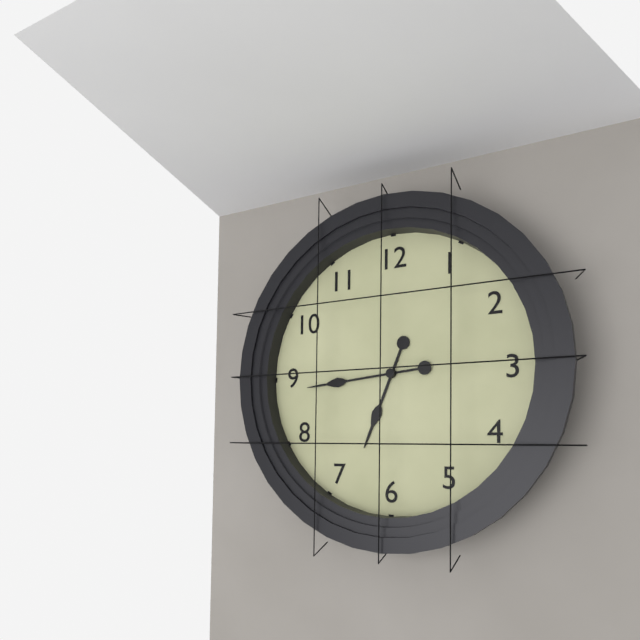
6:44
